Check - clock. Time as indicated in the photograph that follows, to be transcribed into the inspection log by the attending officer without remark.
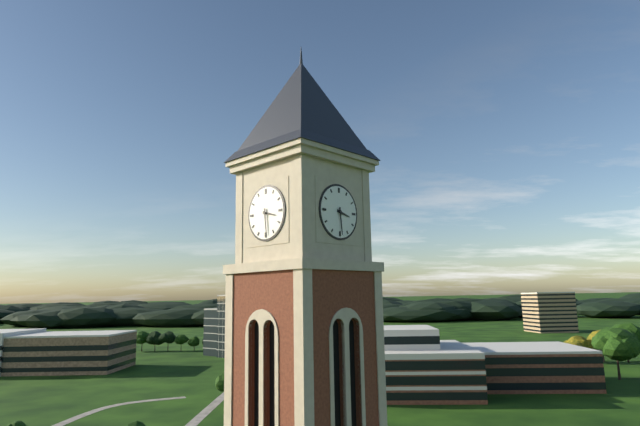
3:29
